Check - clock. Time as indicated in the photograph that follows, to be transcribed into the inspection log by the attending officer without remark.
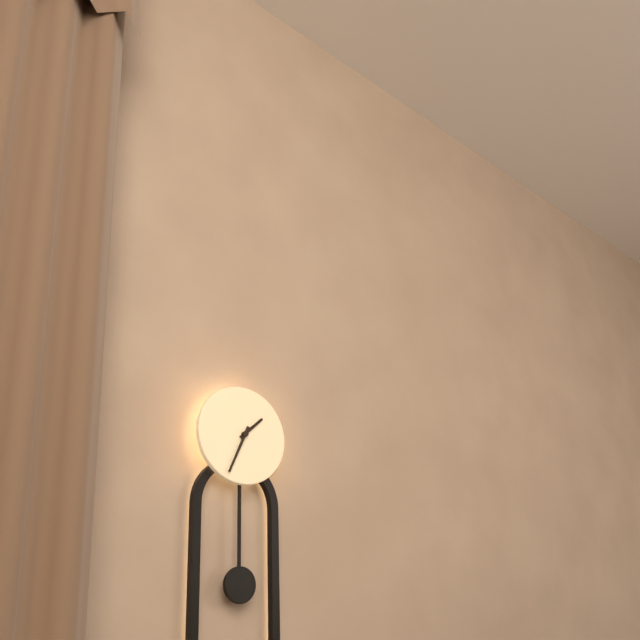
1:34
